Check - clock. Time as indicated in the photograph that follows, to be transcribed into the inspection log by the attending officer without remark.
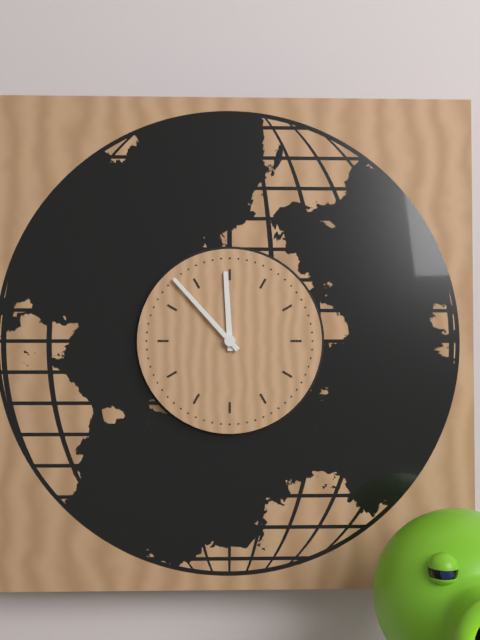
11:53
